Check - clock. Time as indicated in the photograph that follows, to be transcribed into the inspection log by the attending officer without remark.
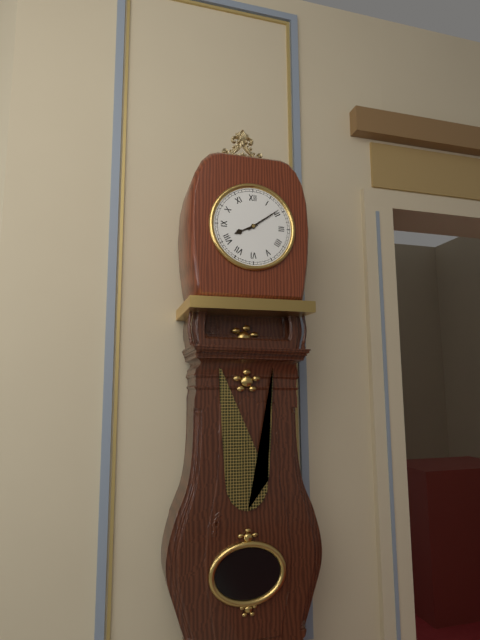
8:09
